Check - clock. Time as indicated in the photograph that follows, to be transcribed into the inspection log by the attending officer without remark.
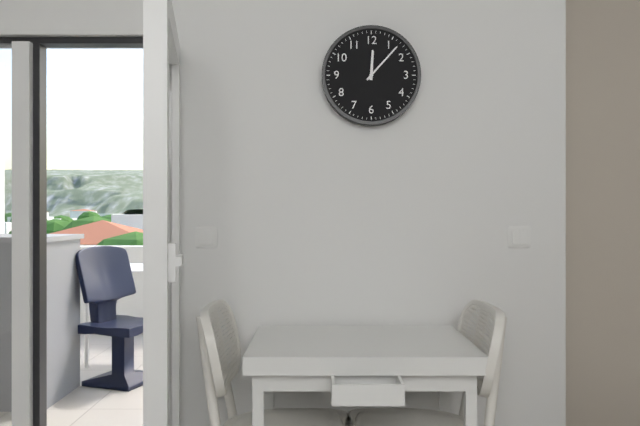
12:07
